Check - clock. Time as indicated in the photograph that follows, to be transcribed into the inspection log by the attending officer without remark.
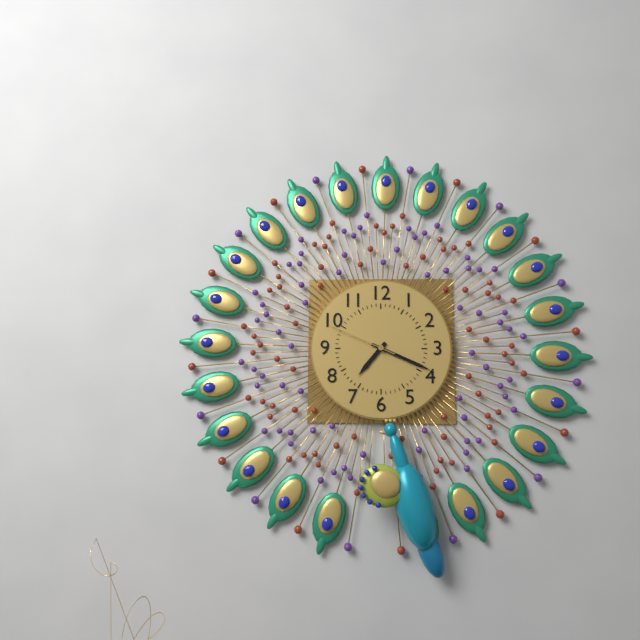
7:19:49
